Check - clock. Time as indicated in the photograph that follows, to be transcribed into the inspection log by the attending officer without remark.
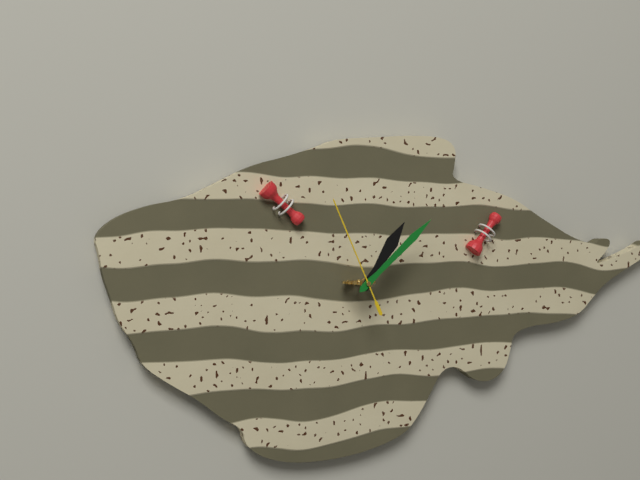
1:08:56
